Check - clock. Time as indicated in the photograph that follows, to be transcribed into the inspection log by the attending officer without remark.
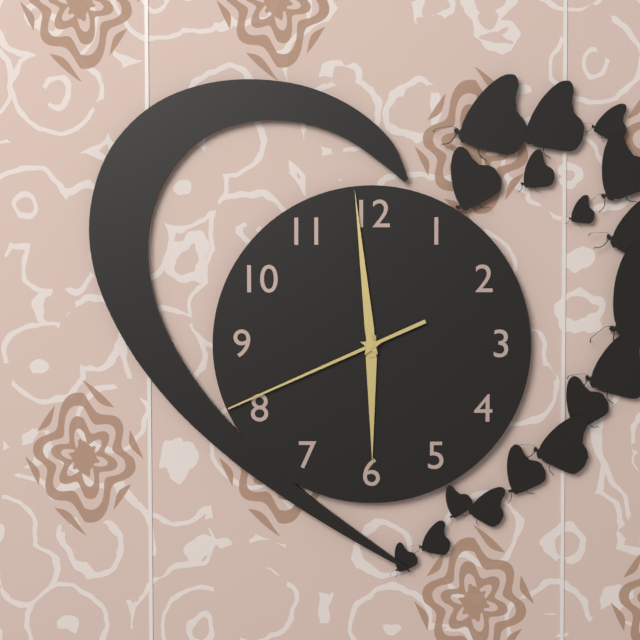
5:59:41
